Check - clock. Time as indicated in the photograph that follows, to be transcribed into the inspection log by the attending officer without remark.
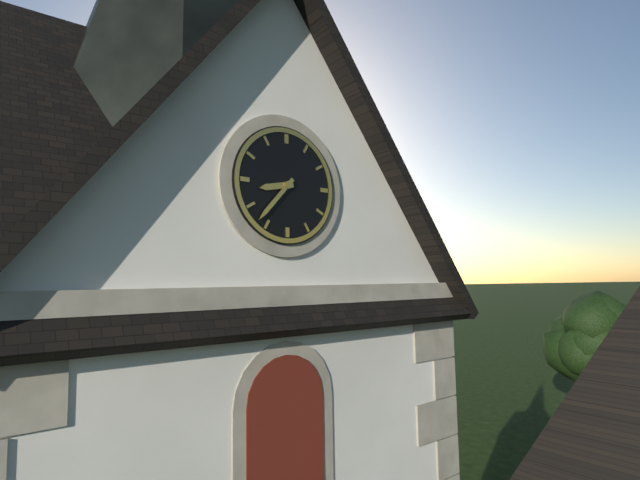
8:37
